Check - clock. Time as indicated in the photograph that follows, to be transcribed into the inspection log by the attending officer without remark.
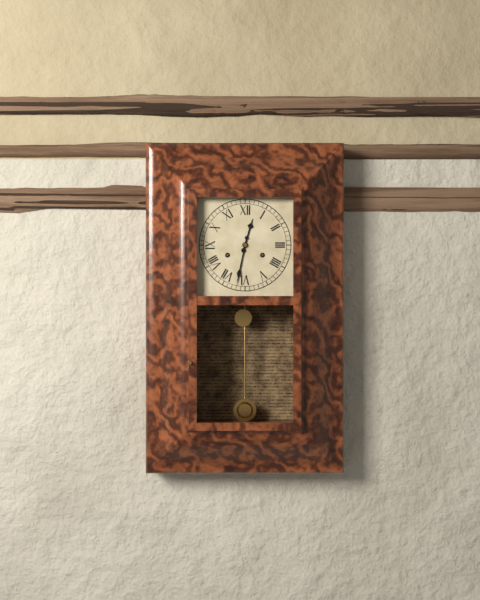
12:32
